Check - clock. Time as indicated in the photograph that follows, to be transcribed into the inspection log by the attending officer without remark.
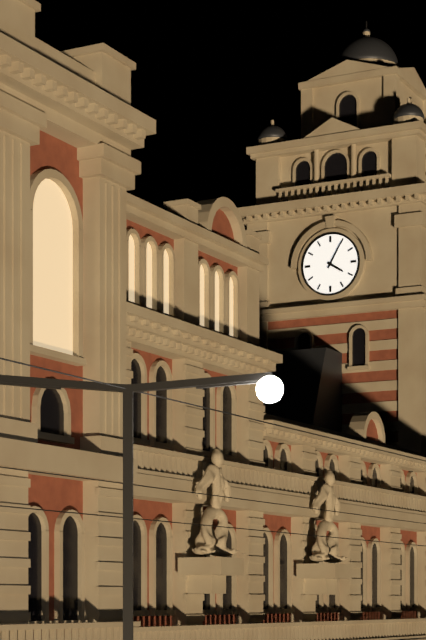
4:05
